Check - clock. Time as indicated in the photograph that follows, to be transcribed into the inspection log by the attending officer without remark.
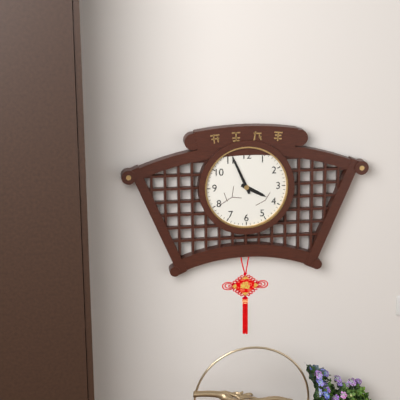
3:56
